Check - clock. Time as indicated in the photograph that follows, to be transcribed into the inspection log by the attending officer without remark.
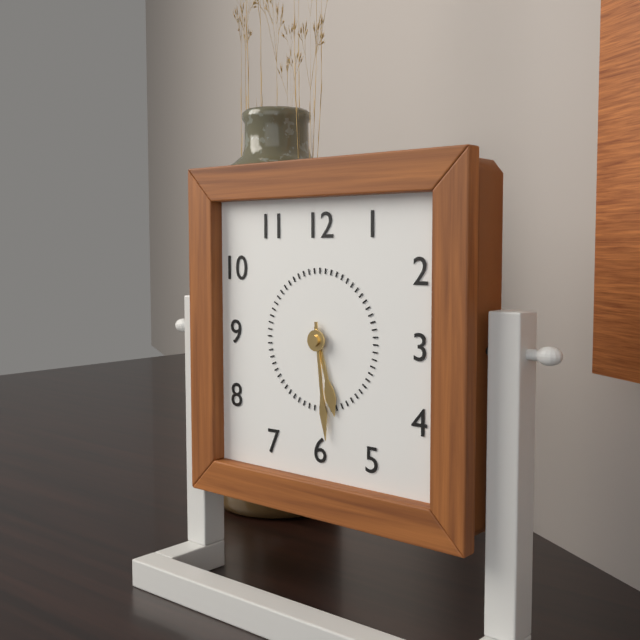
5:29
